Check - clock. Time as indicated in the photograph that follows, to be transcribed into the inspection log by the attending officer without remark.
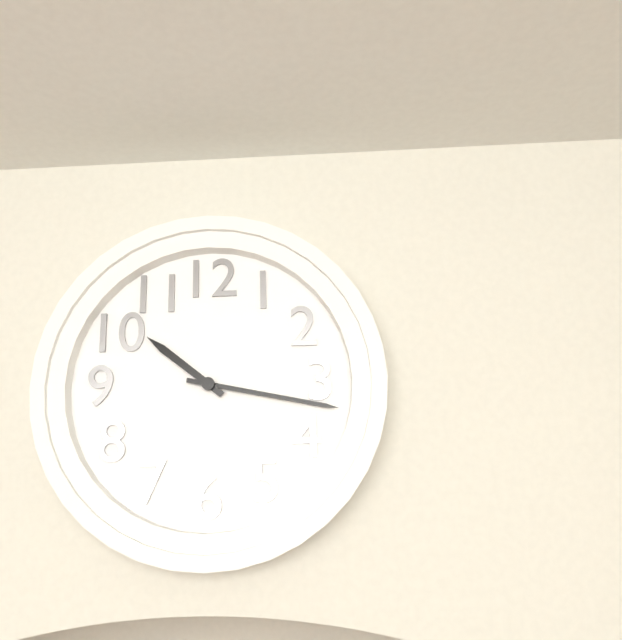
10:17
